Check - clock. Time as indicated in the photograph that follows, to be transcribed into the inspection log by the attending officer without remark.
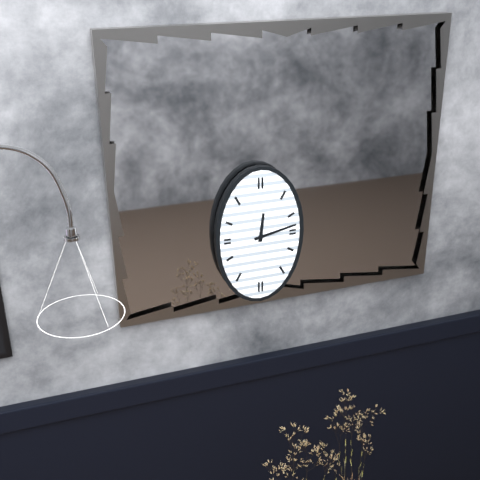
12:13
